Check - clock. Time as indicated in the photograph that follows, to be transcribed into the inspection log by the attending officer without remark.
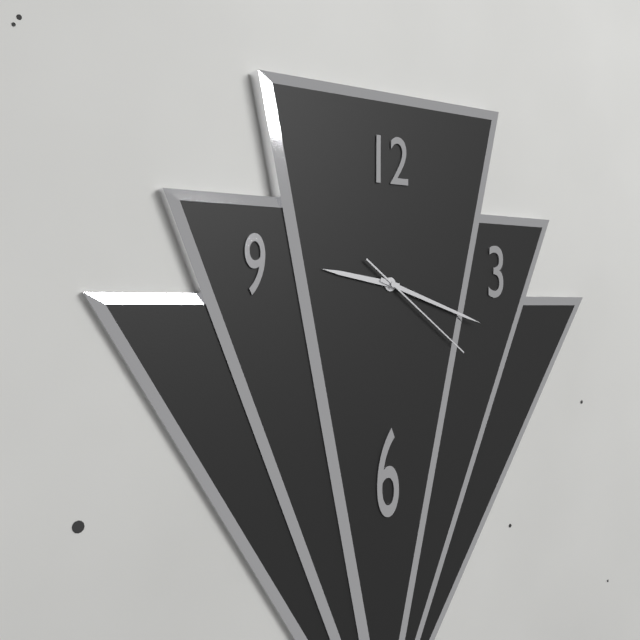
9:18:21
